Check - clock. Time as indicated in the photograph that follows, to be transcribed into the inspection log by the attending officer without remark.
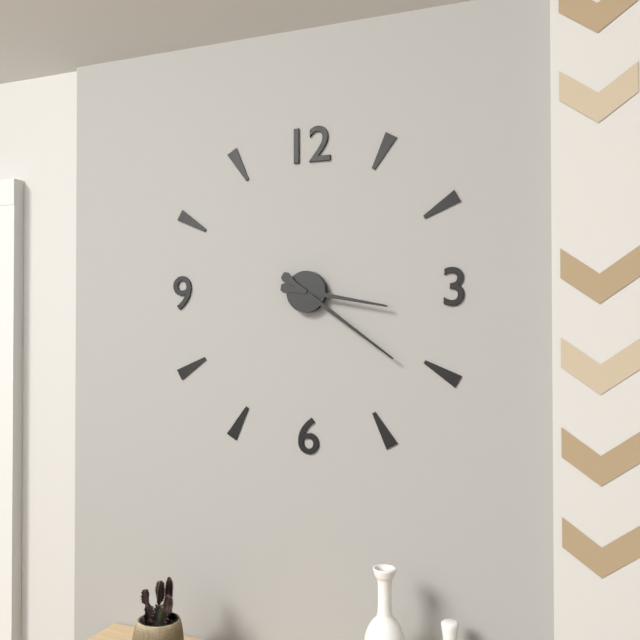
3:21
